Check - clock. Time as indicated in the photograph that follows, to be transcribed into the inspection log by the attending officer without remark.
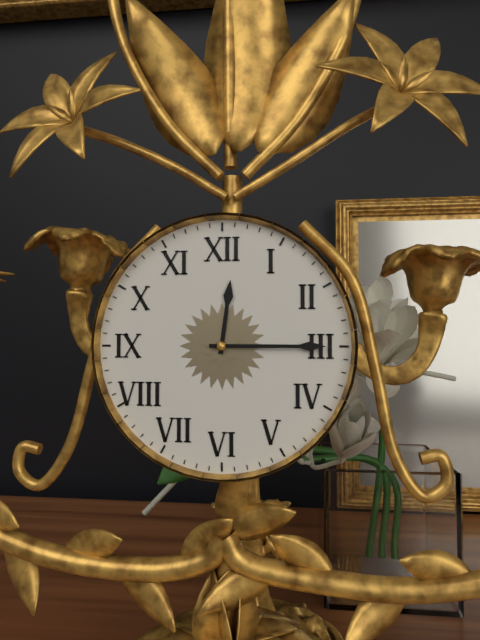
12:15
